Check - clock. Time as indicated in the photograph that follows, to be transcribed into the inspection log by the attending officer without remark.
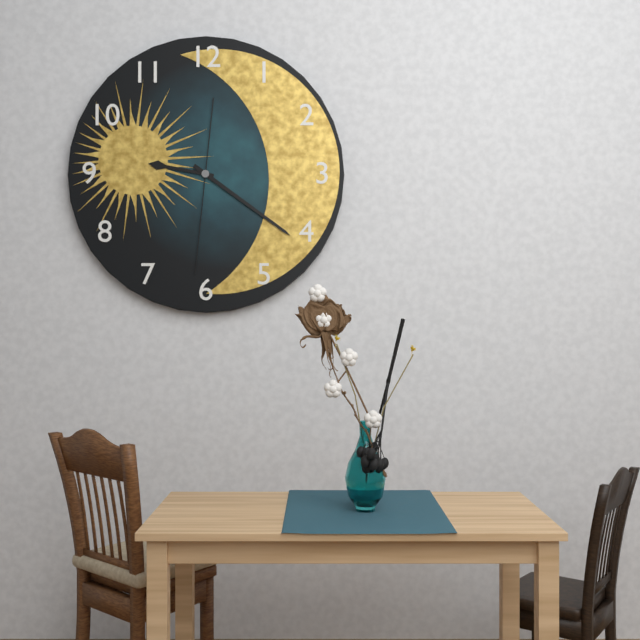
9:21:31
